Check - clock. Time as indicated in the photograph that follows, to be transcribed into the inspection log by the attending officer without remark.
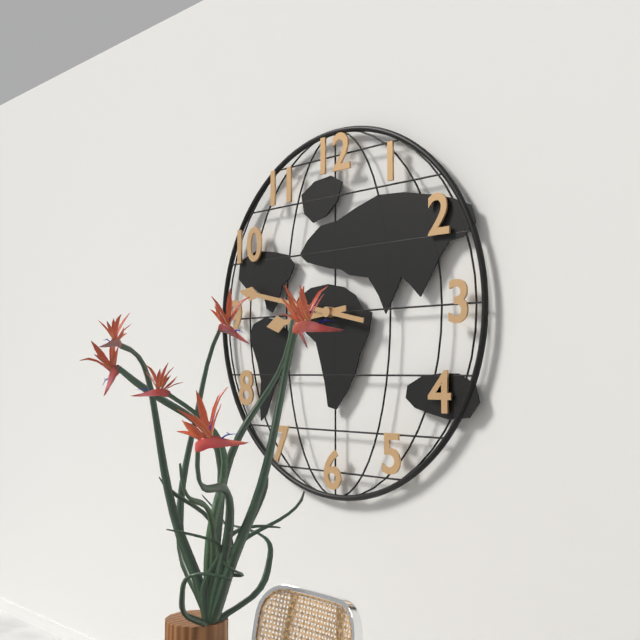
8:47
